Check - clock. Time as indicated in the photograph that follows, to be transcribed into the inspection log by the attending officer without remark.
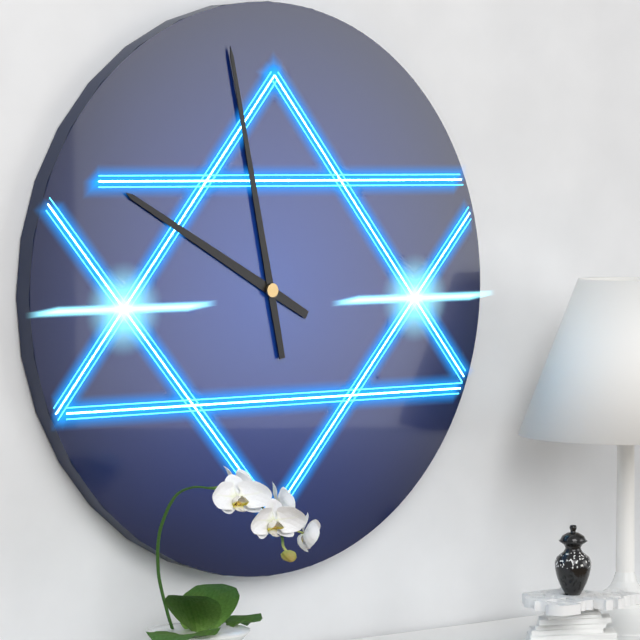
9:58
